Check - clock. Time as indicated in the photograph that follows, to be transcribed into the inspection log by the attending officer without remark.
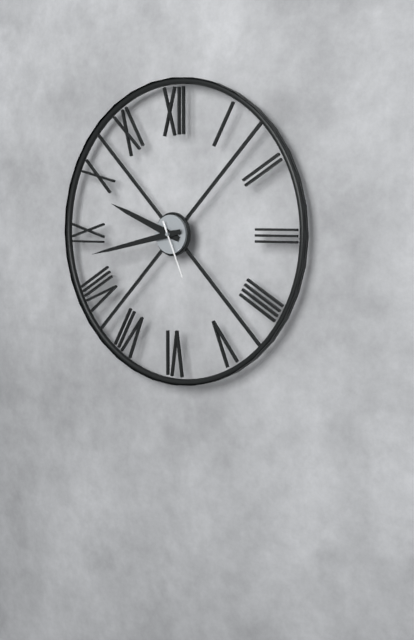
9:43:26
